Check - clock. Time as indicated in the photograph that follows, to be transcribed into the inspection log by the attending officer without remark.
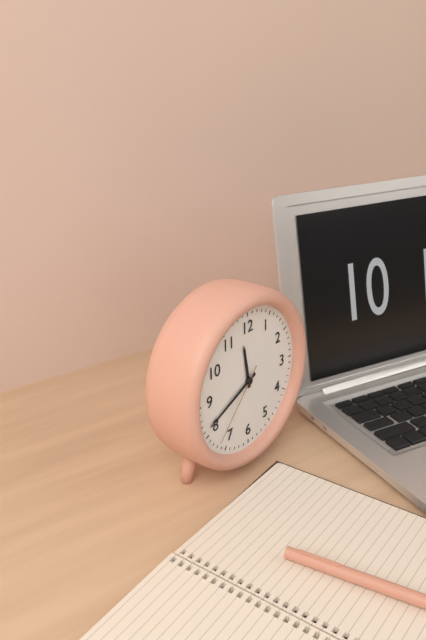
11:41:37
